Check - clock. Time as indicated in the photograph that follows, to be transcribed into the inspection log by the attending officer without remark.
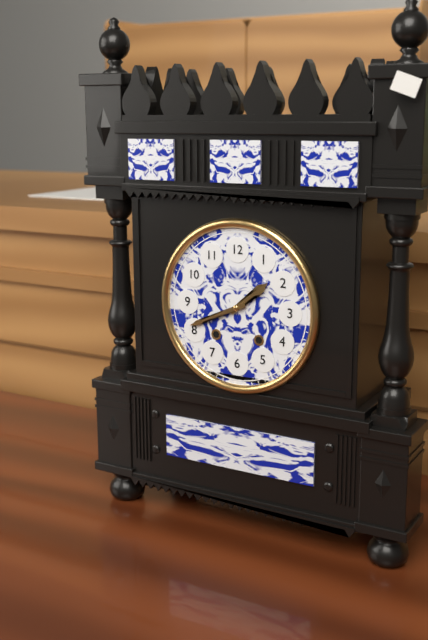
1:41
